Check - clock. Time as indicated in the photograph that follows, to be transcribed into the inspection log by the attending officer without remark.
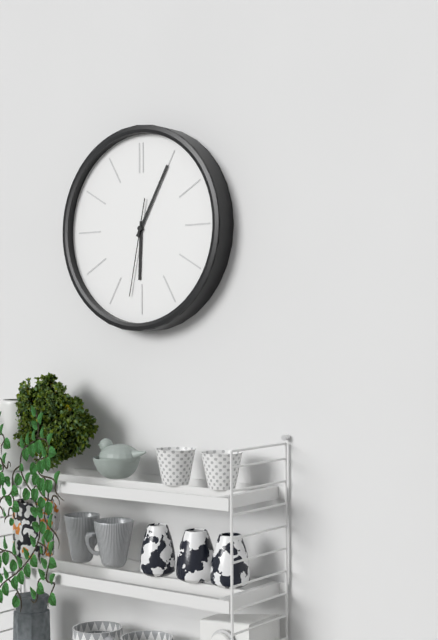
6:05:32
